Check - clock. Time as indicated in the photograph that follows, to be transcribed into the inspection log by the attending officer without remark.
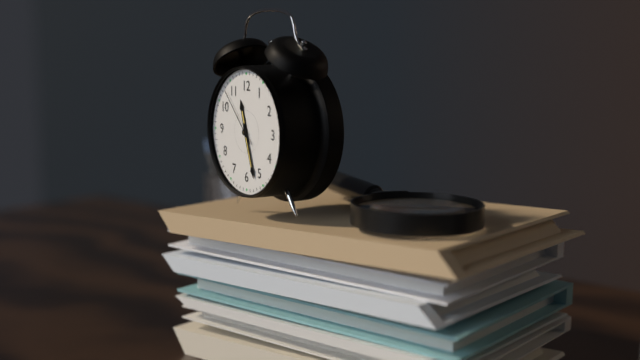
11:27:53
